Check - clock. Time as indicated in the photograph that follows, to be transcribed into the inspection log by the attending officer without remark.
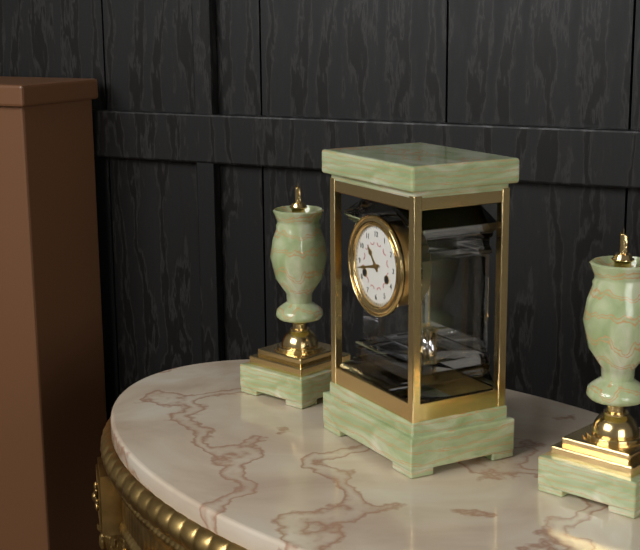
10:43
